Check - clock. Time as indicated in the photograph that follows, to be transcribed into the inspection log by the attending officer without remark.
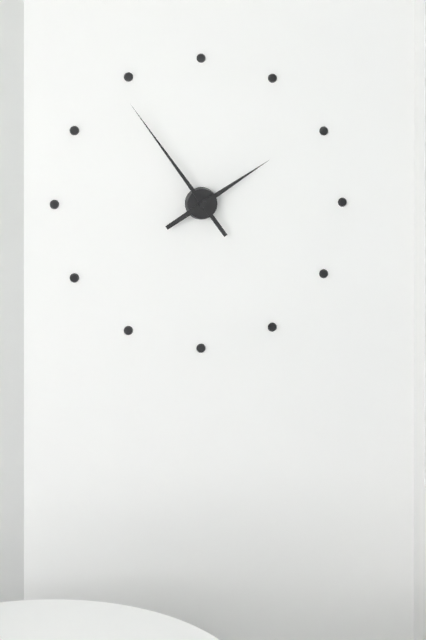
1:54
